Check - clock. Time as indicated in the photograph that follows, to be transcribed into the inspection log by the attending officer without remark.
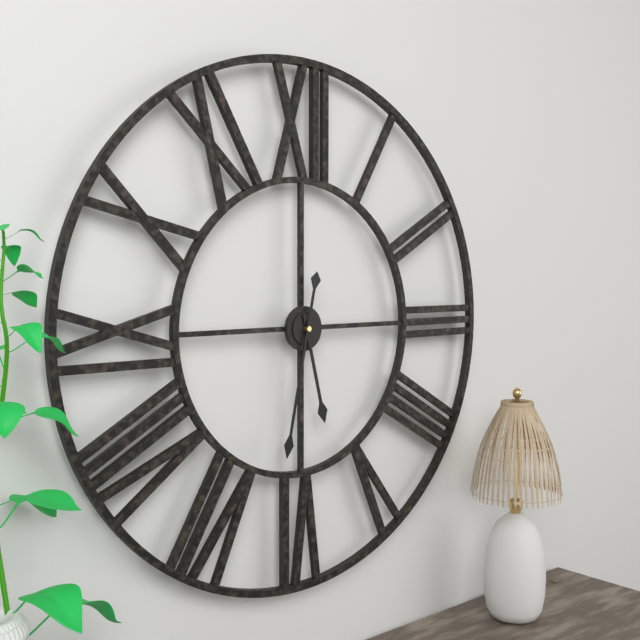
5:32
